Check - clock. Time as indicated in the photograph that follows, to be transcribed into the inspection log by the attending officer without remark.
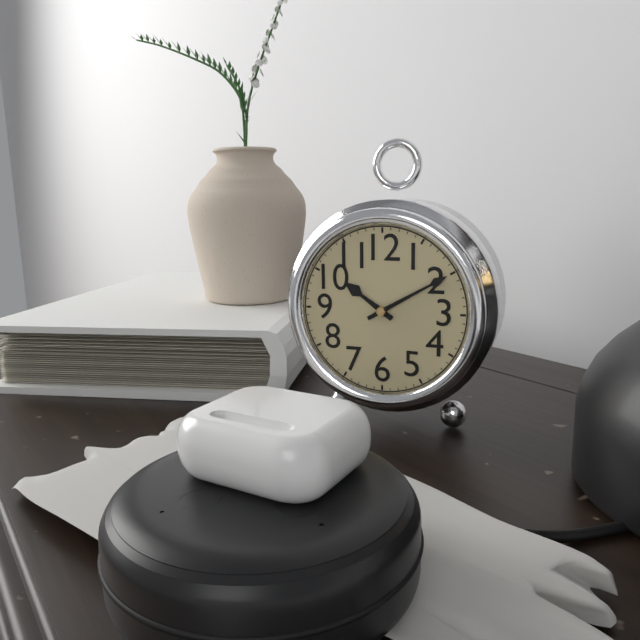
10:10
